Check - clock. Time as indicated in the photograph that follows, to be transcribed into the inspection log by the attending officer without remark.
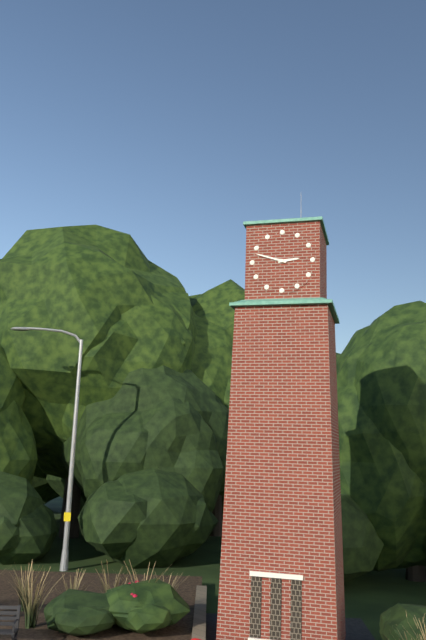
2:48
